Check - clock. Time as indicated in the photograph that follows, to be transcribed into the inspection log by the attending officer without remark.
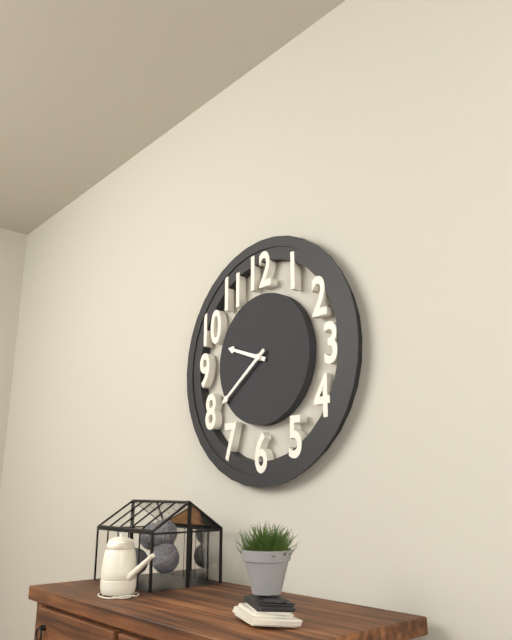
9:39
